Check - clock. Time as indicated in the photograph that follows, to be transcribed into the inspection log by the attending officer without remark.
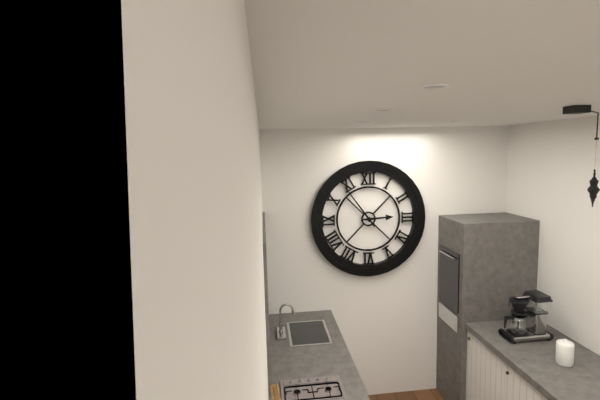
2:54
